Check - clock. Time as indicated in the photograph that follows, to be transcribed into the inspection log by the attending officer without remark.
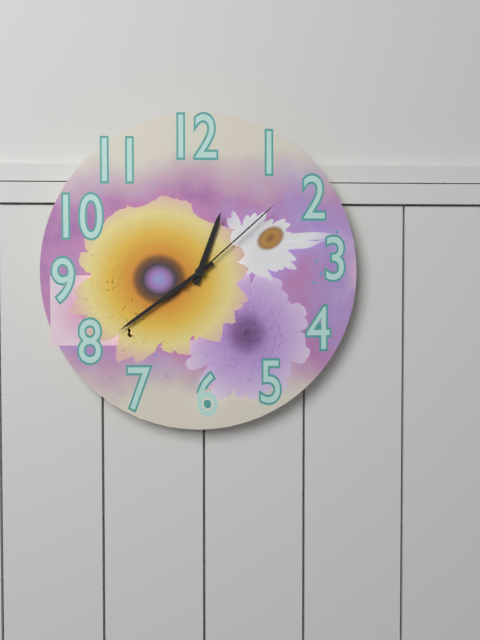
12:39:08
